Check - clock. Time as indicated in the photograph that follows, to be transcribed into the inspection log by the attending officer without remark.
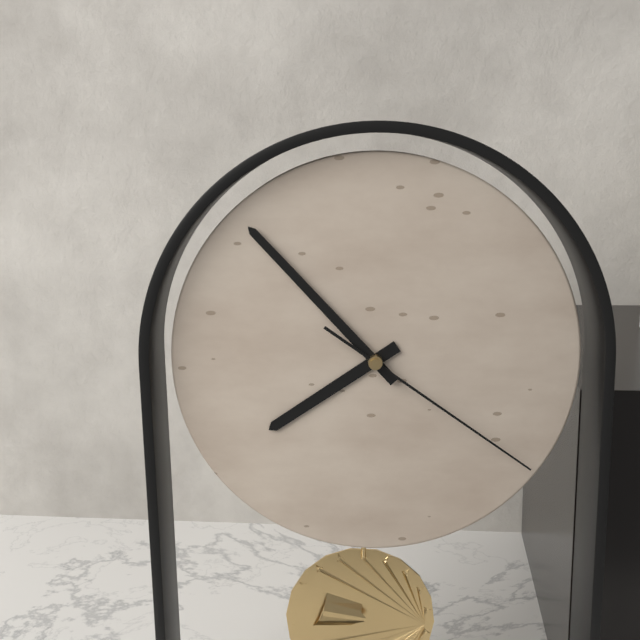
7:53:21
